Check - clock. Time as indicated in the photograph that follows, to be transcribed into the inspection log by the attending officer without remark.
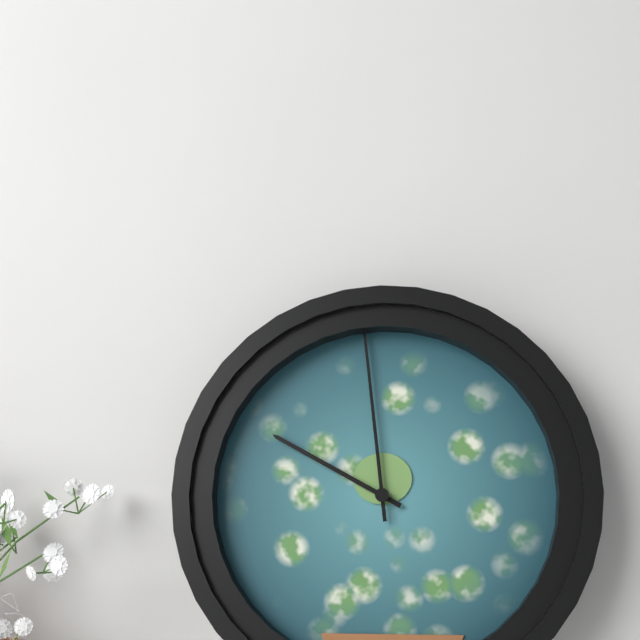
9:59
